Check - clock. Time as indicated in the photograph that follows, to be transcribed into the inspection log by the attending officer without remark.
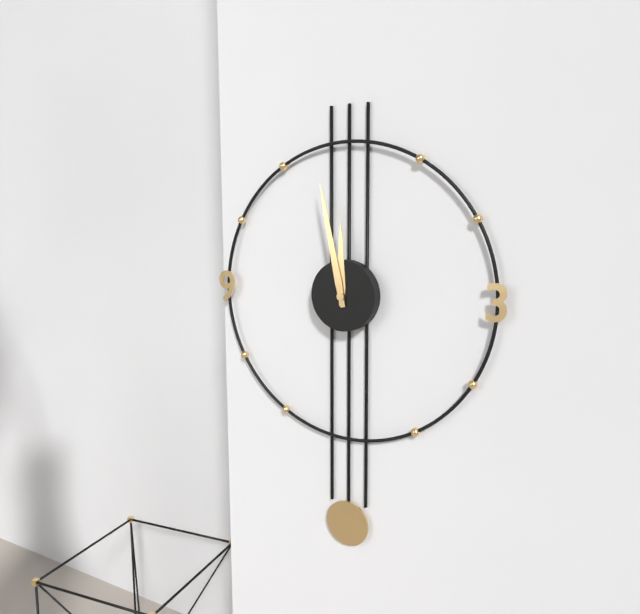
11:58
